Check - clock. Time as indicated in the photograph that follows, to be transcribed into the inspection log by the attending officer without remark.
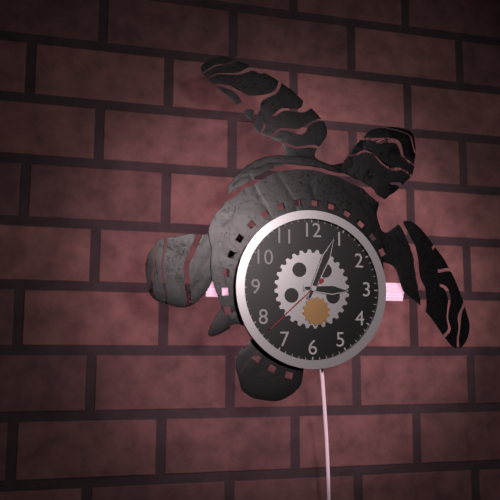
3:04:38
